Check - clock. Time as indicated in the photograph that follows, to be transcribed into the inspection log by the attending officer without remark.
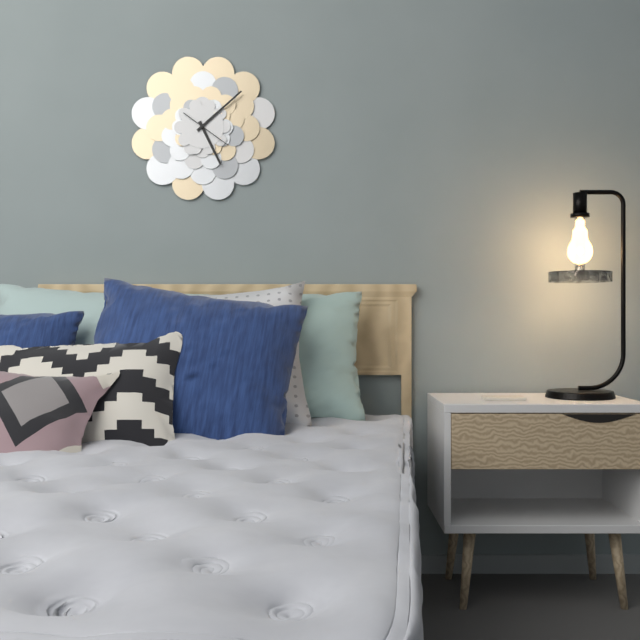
5:08
